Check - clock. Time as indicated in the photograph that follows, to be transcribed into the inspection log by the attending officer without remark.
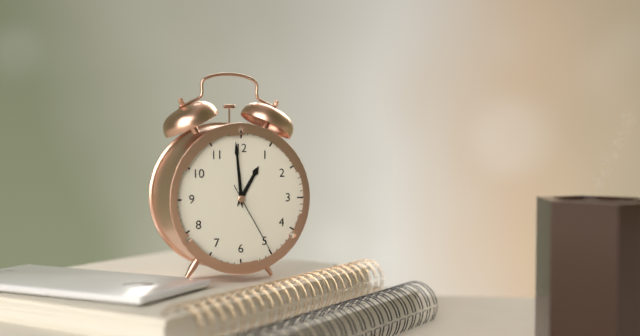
12:59:25
